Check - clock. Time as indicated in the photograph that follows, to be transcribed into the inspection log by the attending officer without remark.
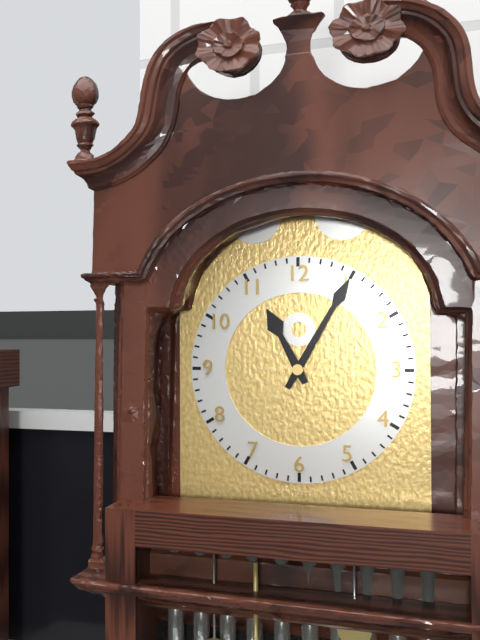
11:05
